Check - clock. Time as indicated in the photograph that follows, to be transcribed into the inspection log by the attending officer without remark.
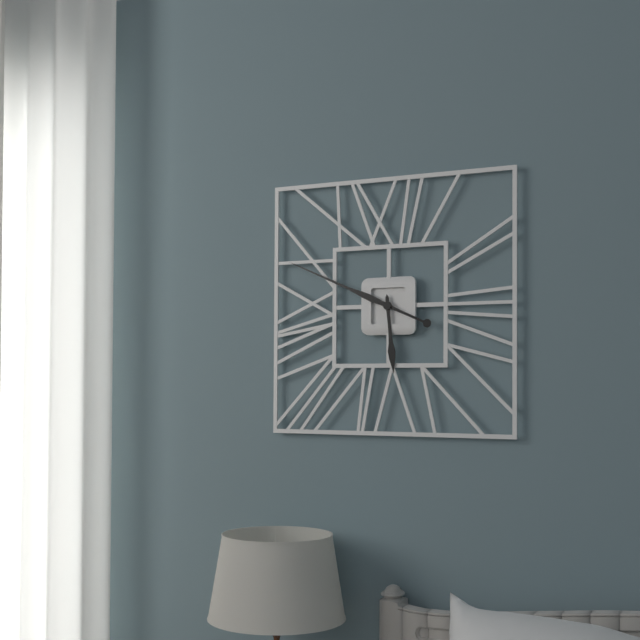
5:49
